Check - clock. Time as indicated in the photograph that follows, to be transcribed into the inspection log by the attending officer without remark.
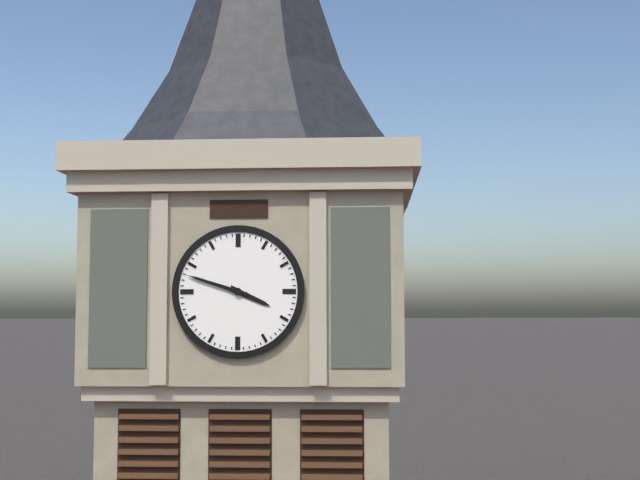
3:48
